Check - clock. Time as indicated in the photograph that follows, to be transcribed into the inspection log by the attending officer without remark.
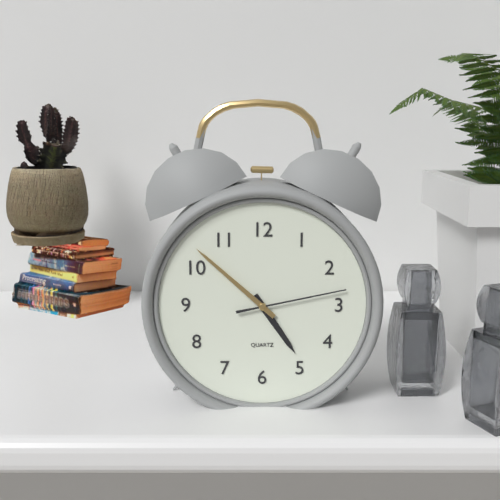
4:52:13
